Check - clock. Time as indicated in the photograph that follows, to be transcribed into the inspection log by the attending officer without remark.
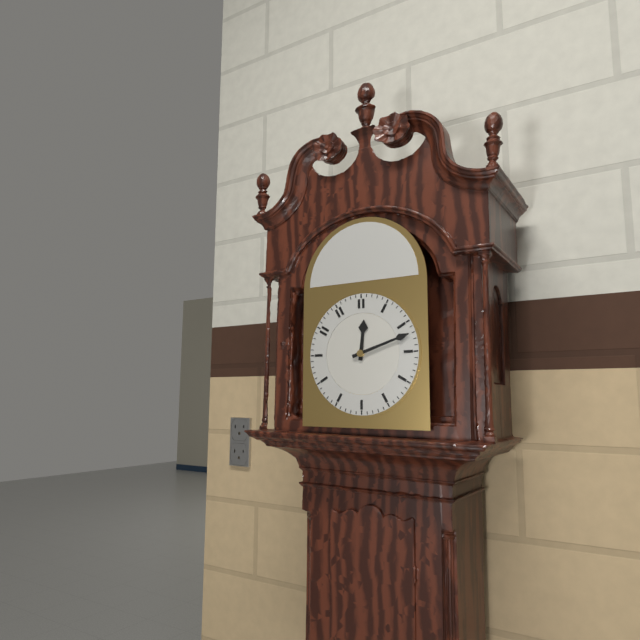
12:12
